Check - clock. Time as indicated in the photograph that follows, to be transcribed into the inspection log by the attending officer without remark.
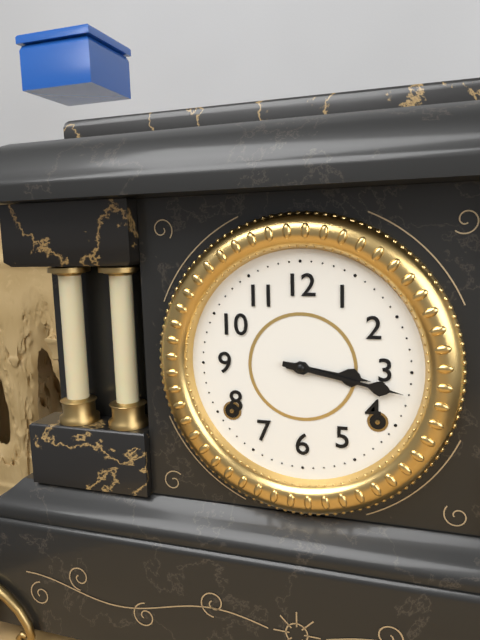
3:17
